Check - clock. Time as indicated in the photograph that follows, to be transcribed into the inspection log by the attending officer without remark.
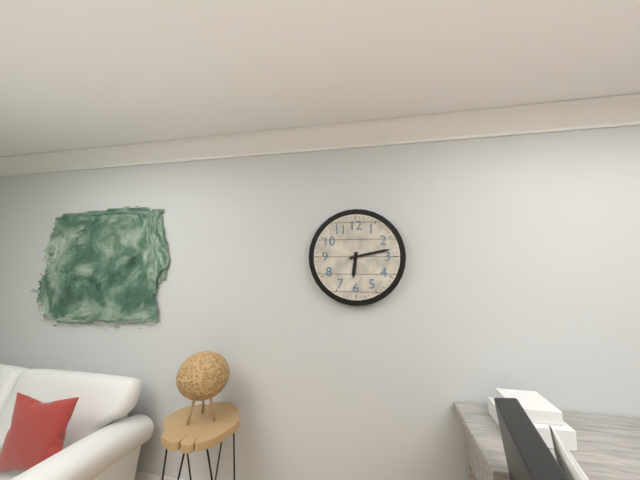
6:13
